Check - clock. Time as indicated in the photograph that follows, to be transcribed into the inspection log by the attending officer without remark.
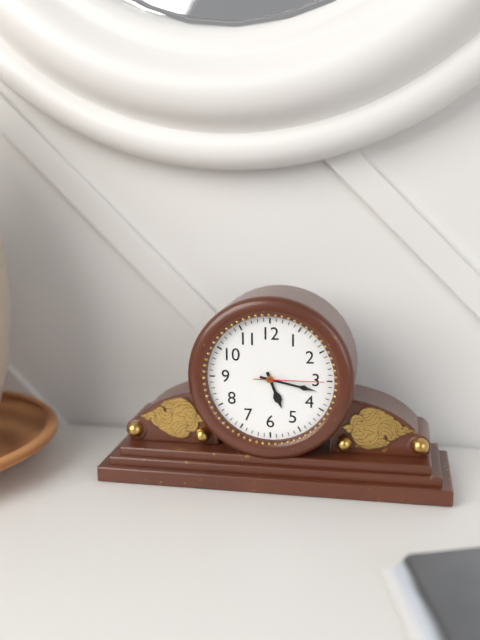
5:17:15
